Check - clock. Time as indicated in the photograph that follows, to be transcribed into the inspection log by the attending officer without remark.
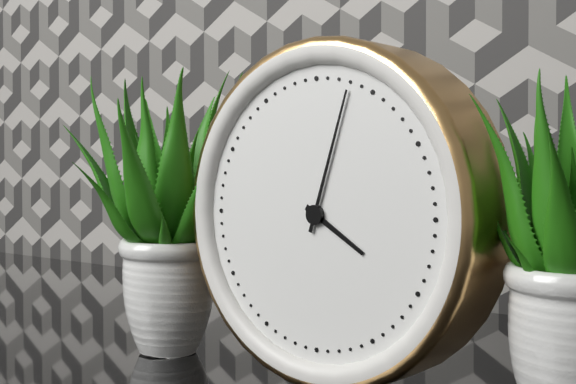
4:03
